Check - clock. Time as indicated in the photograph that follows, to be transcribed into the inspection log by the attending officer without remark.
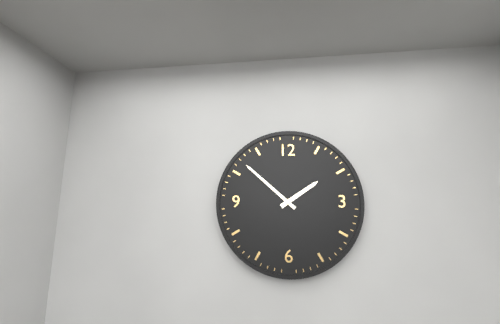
1:52
